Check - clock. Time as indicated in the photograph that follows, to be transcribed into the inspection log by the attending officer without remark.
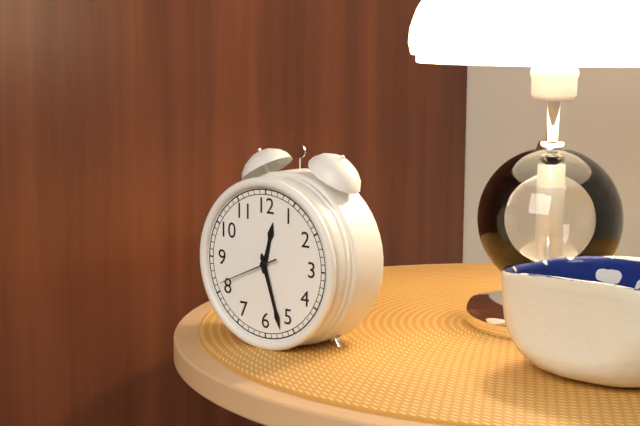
12:27:41
